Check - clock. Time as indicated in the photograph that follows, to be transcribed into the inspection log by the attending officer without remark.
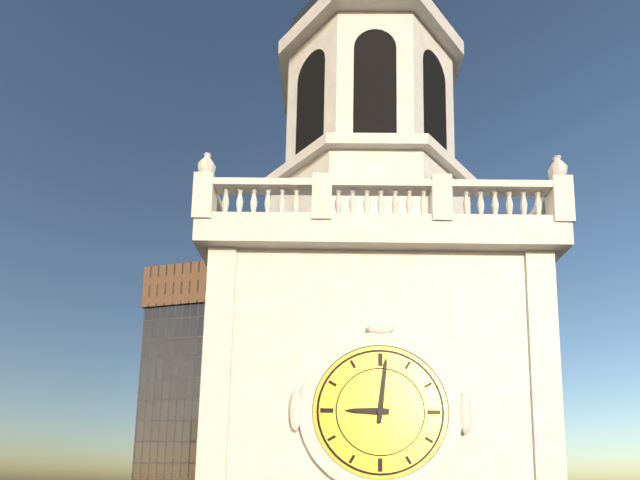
9:01
